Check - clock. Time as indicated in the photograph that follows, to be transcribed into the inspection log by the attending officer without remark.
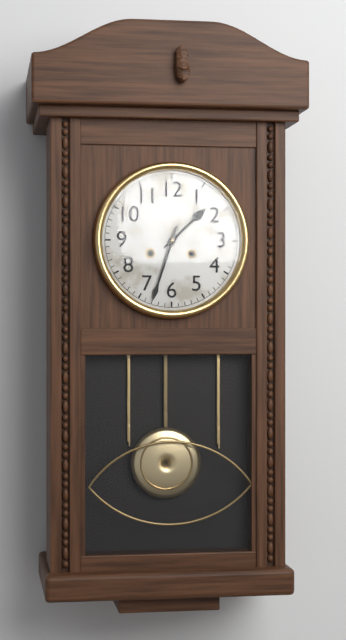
1:33
